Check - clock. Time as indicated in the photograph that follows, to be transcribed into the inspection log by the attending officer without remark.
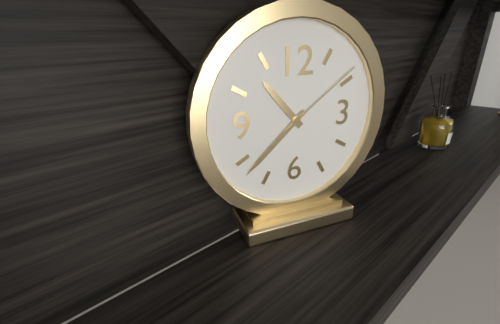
10:38:09
